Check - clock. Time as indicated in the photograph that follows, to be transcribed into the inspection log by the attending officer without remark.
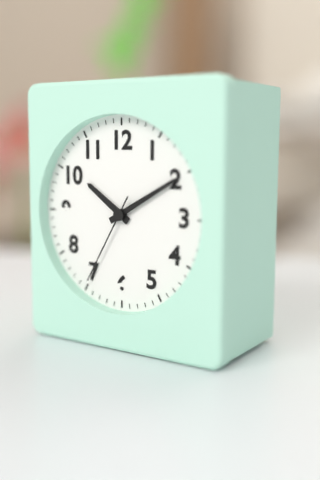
10:10:35
